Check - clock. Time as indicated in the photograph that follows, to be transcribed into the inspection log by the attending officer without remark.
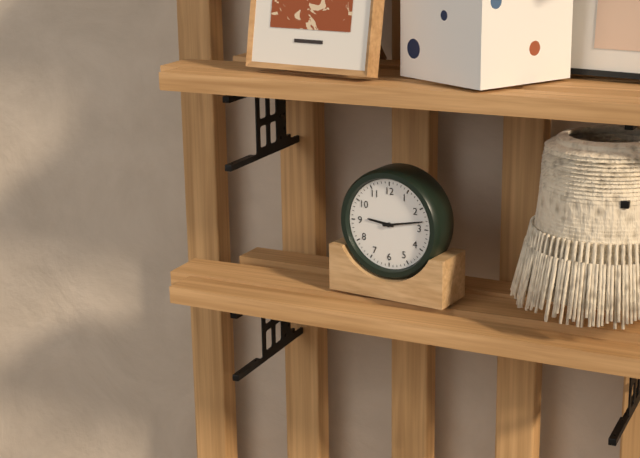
9:13
